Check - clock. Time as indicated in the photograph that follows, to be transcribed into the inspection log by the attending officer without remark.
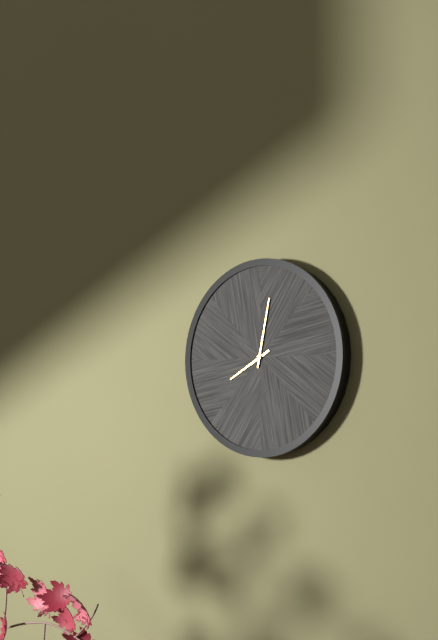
8:02
